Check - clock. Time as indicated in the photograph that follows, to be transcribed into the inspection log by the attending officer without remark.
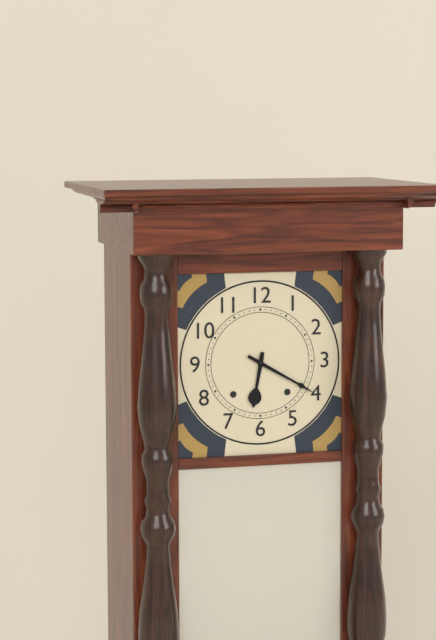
6:20
